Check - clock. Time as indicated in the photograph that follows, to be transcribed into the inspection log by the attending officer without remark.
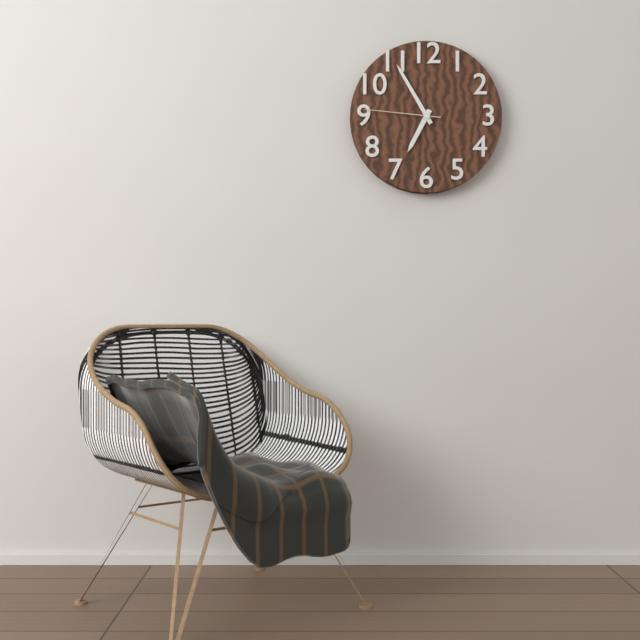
6:55:46
